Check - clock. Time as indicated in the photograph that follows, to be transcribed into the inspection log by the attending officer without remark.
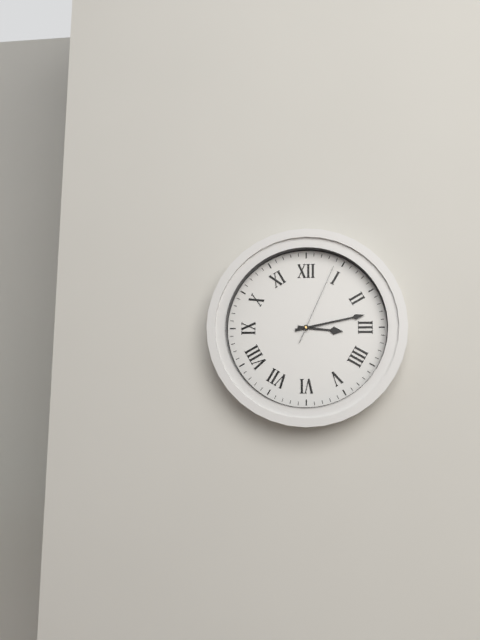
3:13:04
